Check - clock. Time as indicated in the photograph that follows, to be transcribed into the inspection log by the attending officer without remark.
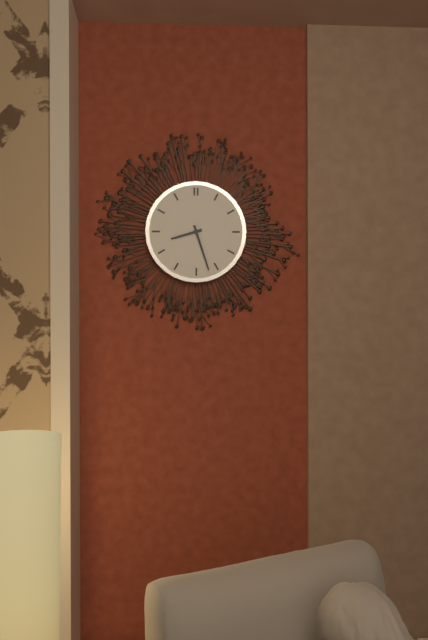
8:27
